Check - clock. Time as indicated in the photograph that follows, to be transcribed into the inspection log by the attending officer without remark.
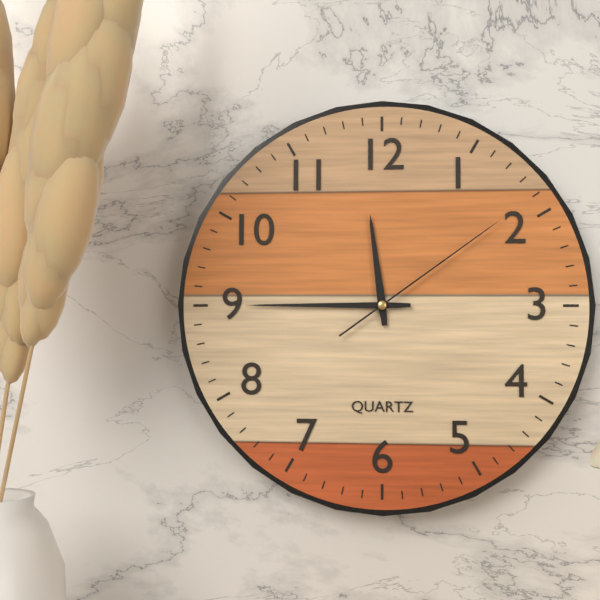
11:45:09
